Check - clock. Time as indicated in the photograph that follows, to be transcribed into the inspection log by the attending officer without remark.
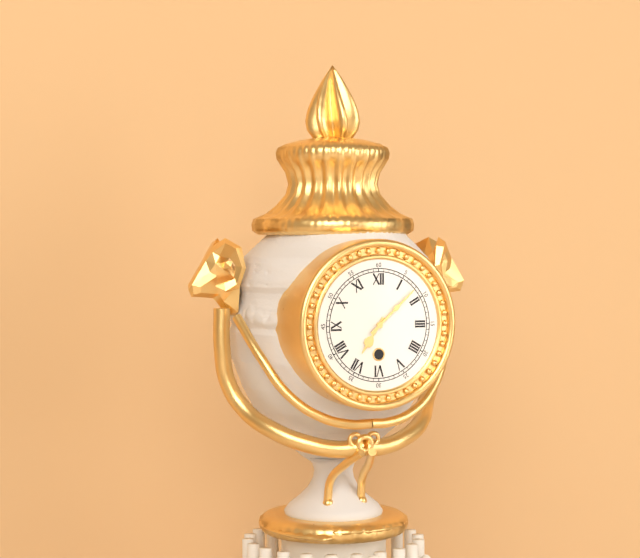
7:08
